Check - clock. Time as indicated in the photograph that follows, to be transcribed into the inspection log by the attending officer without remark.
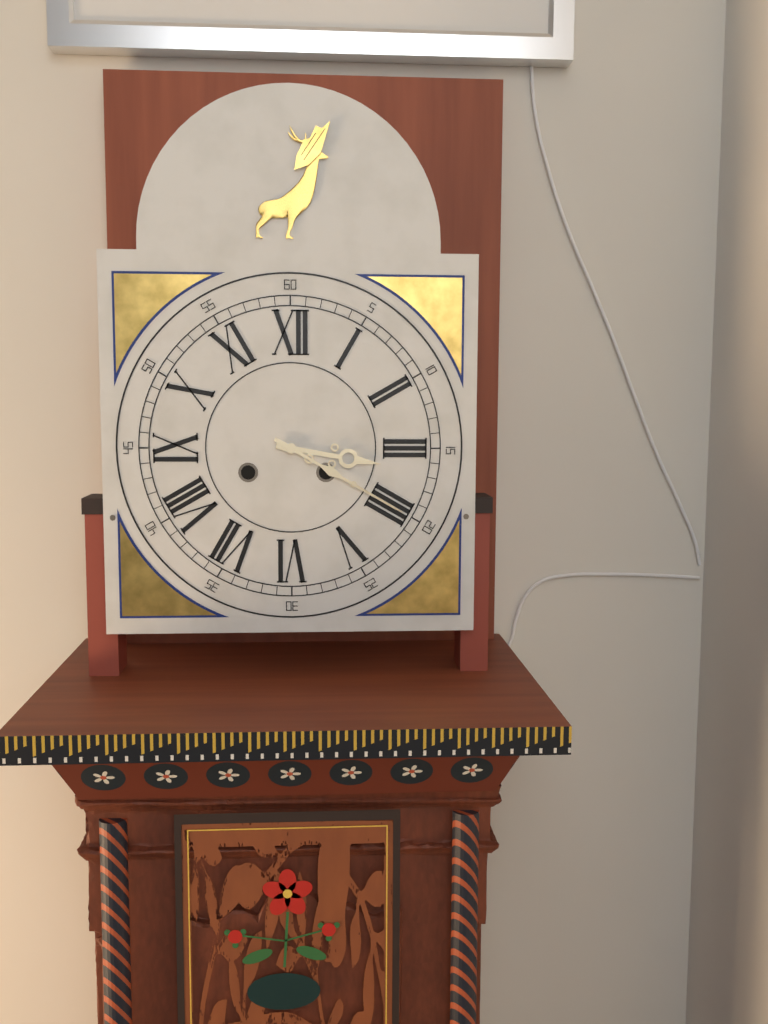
3:20
